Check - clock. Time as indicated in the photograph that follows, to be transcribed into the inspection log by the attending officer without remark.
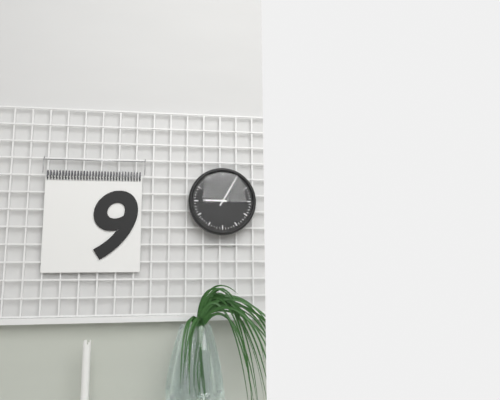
9:05
